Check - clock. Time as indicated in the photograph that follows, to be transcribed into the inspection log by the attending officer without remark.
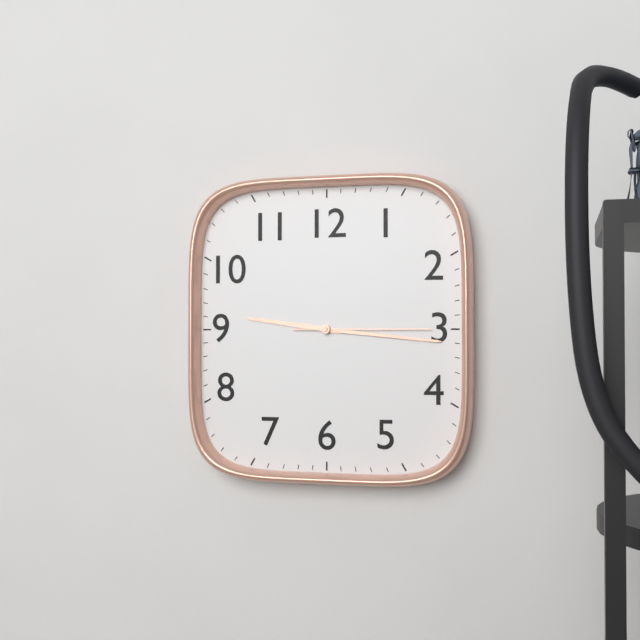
9:16:15
